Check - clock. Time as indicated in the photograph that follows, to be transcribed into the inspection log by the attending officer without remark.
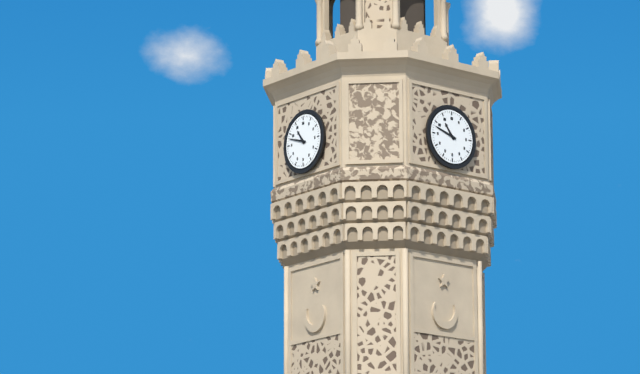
10:48
